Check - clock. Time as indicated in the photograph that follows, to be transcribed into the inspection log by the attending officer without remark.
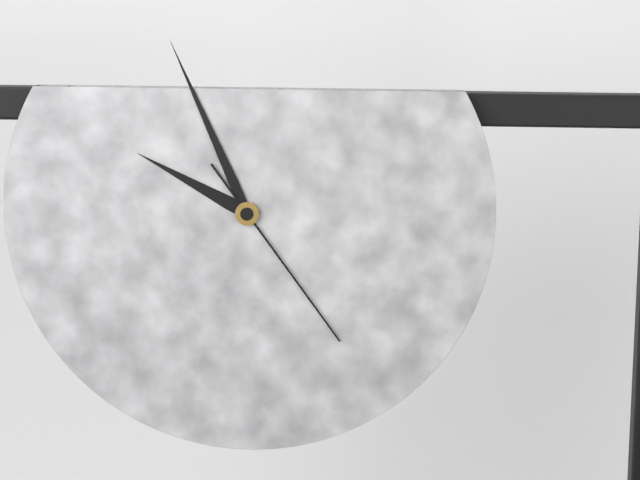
9:56:24
